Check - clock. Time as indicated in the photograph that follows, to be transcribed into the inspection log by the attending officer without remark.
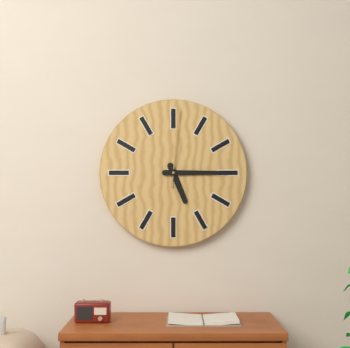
5:15:01
